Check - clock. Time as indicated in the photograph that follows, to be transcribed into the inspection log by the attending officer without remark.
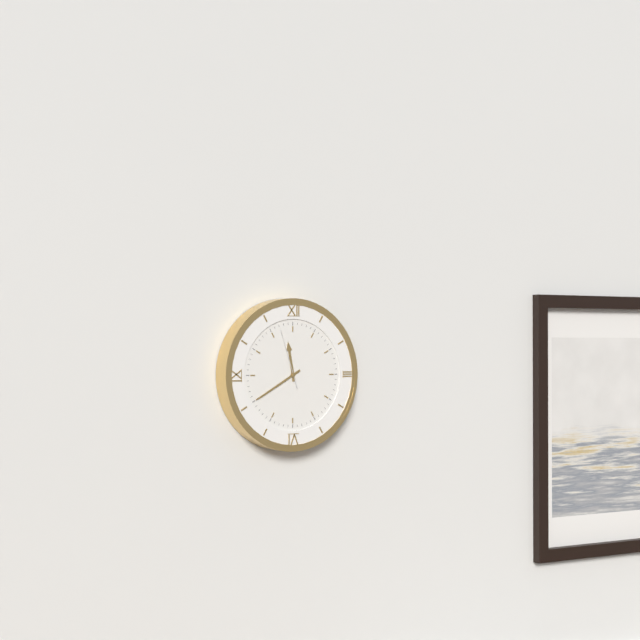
11:40:57
